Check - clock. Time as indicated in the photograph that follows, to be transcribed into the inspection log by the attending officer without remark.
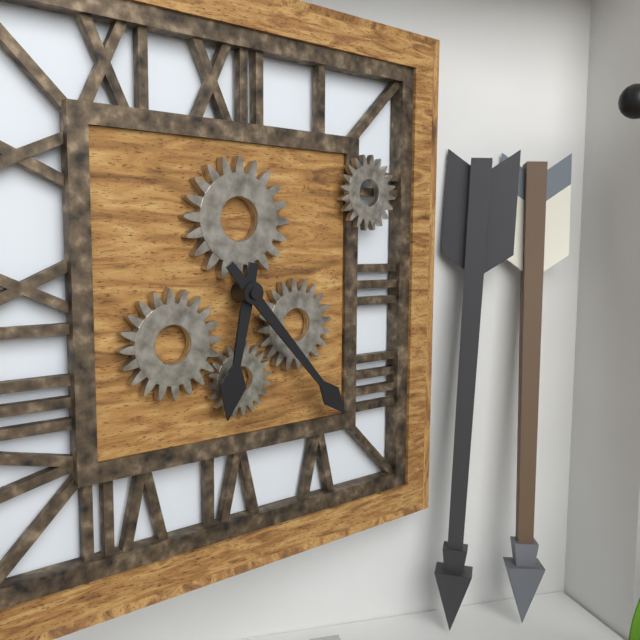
6:23
